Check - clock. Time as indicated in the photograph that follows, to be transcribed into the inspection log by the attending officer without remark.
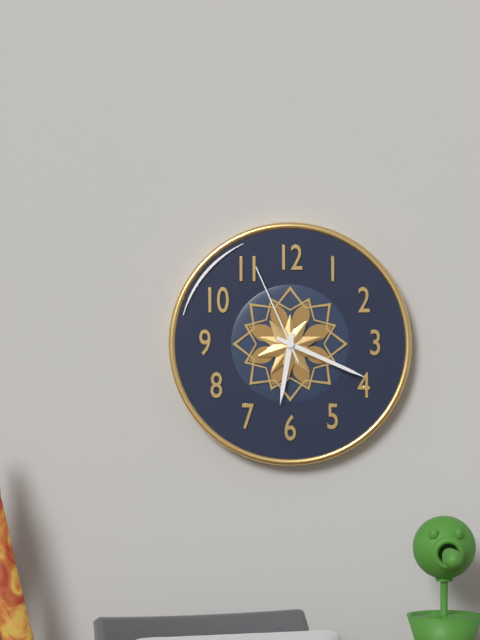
6:19:56
